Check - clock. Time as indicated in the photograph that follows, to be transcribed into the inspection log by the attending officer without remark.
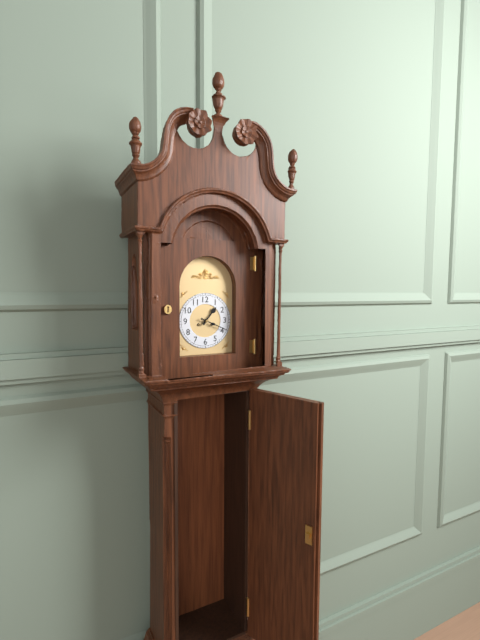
1:19
